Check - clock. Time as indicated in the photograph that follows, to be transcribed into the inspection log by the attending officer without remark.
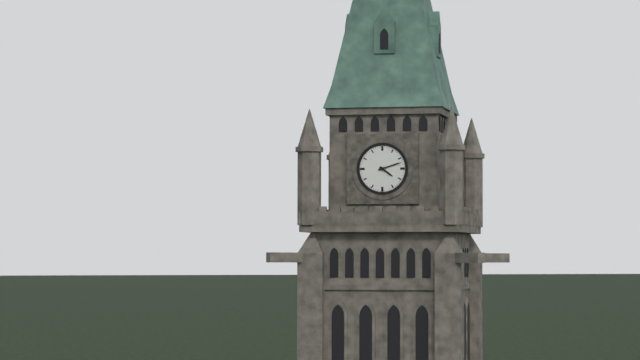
4:12
